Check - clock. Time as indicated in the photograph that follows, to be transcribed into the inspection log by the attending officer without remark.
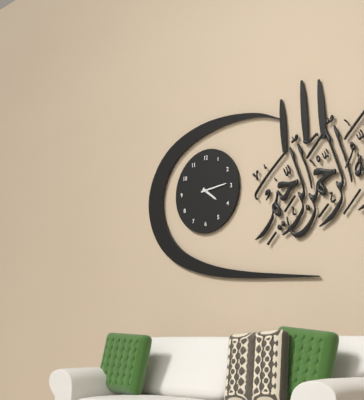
4:14
